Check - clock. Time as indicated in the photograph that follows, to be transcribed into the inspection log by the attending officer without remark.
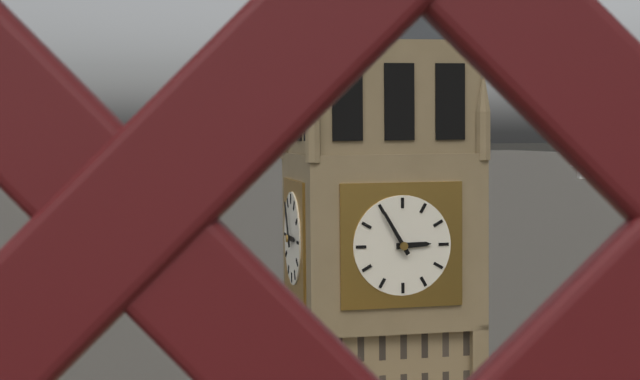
2:55
